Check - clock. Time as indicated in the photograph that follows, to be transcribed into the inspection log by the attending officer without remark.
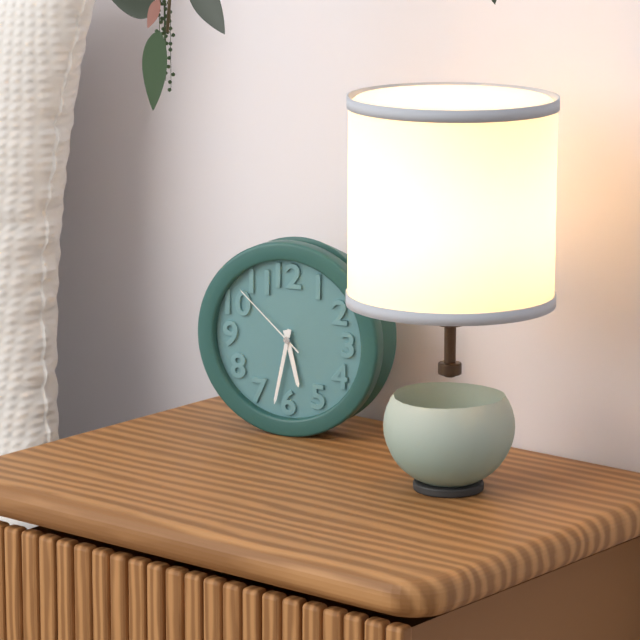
5:32:52
